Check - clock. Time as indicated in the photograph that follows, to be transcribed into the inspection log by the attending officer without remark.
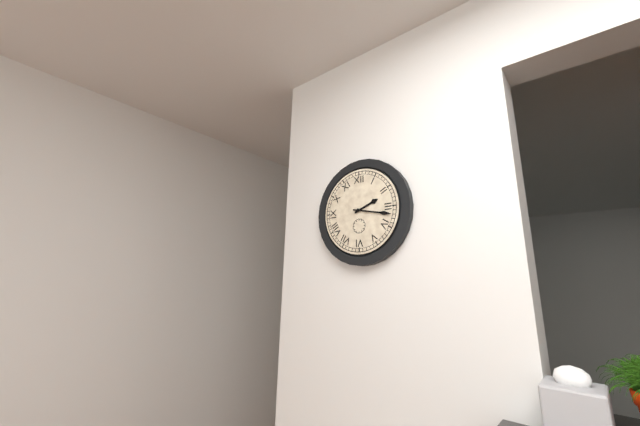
2:17
